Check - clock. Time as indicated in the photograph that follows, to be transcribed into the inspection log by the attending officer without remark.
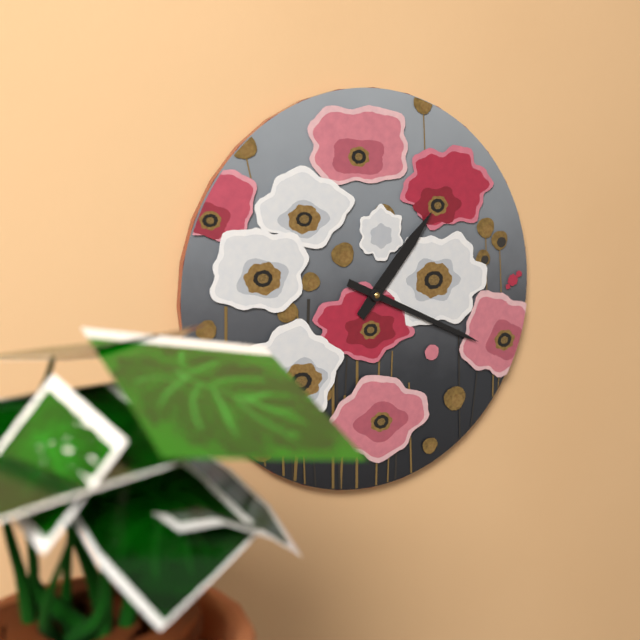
1:19
